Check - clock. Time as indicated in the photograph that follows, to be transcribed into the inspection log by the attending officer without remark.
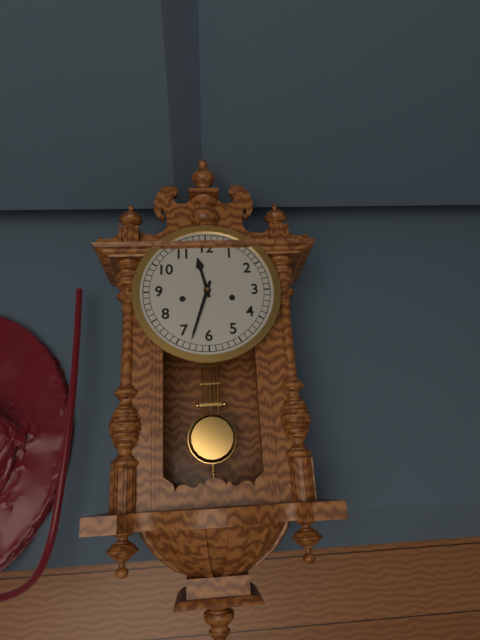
11:33
